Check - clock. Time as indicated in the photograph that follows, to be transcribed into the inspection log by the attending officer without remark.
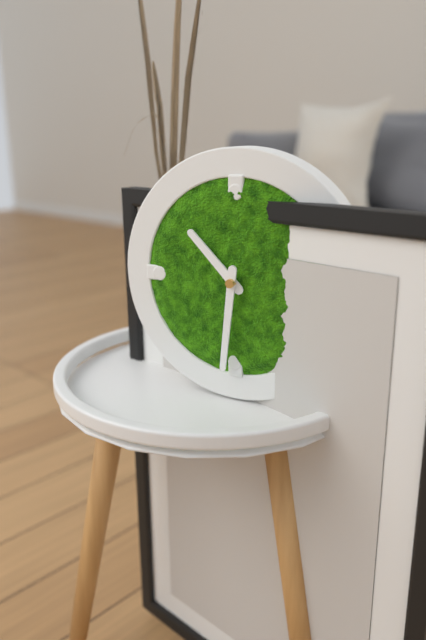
10:31
